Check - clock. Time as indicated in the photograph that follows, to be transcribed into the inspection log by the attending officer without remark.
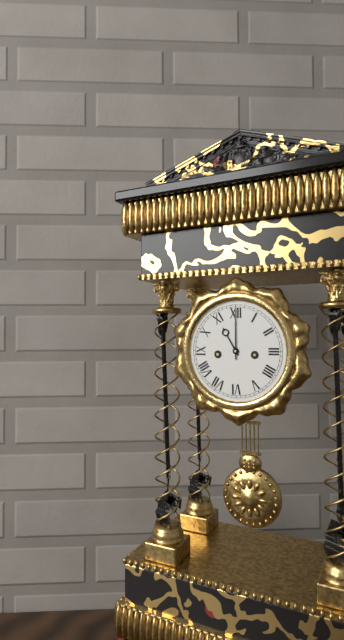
11:00
